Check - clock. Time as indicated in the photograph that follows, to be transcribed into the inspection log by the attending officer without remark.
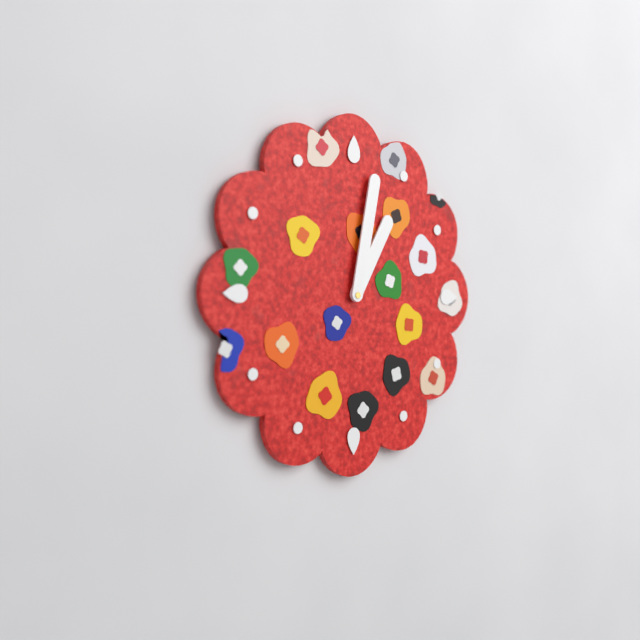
1:02
